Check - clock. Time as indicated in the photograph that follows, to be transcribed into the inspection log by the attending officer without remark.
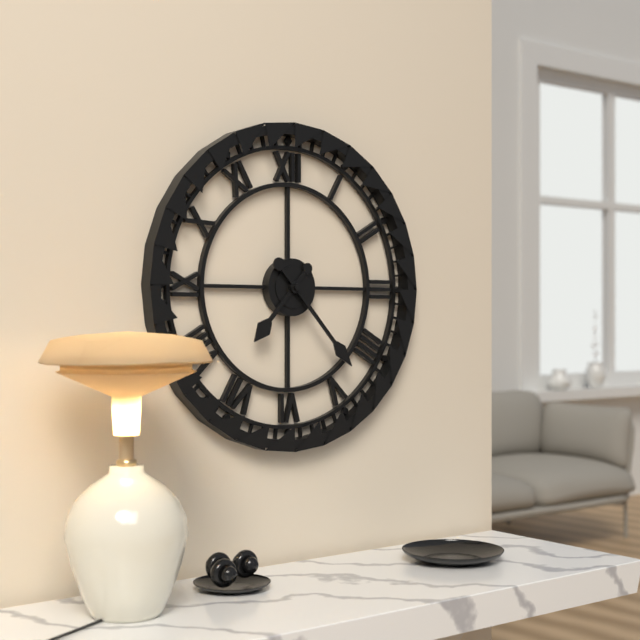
7:23
